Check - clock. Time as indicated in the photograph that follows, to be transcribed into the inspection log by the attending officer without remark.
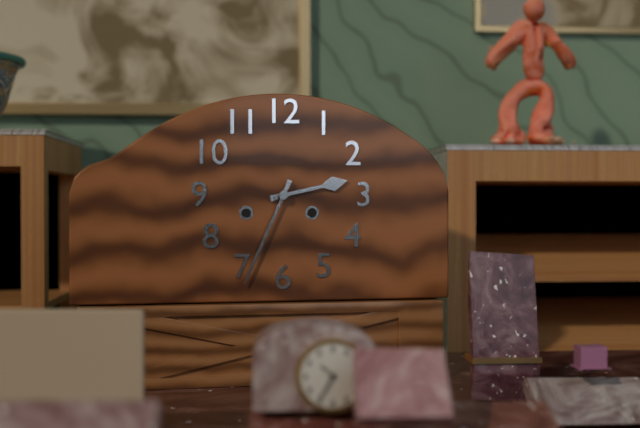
2:34
